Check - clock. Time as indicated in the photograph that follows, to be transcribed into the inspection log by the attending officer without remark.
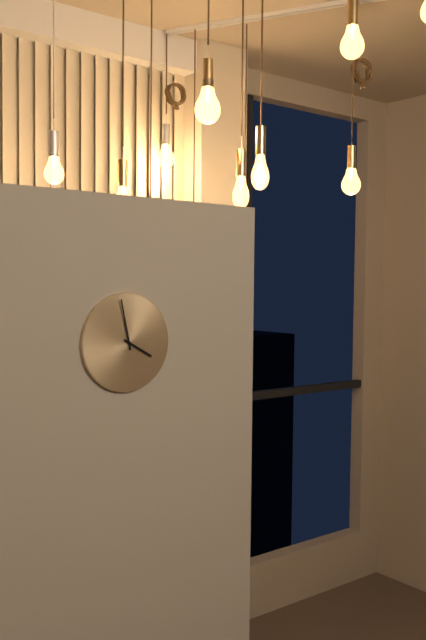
3:58
